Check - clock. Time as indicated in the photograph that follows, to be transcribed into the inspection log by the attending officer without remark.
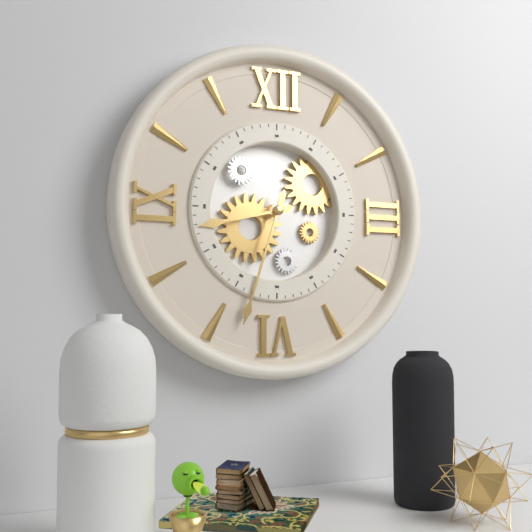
8:33
